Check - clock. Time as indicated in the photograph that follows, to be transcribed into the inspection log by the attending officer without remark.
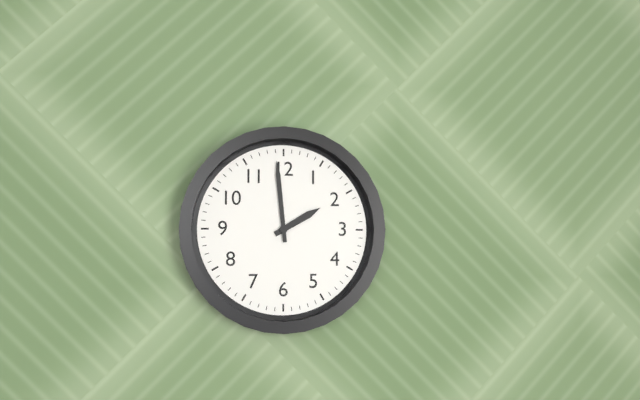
1:59
